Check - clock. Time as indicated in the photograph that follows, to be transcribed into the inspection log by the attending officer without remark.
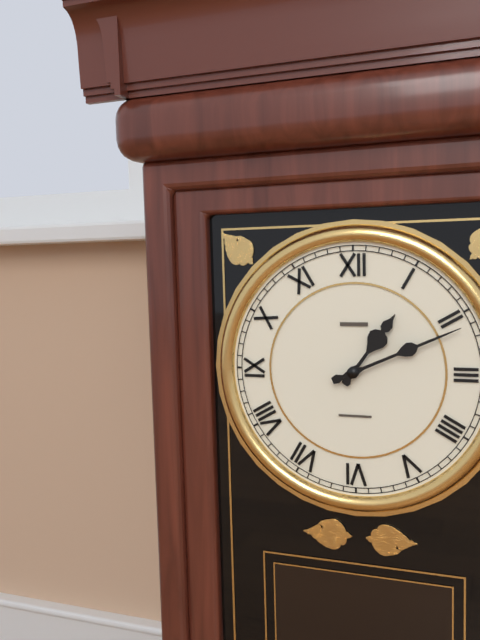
1:11
